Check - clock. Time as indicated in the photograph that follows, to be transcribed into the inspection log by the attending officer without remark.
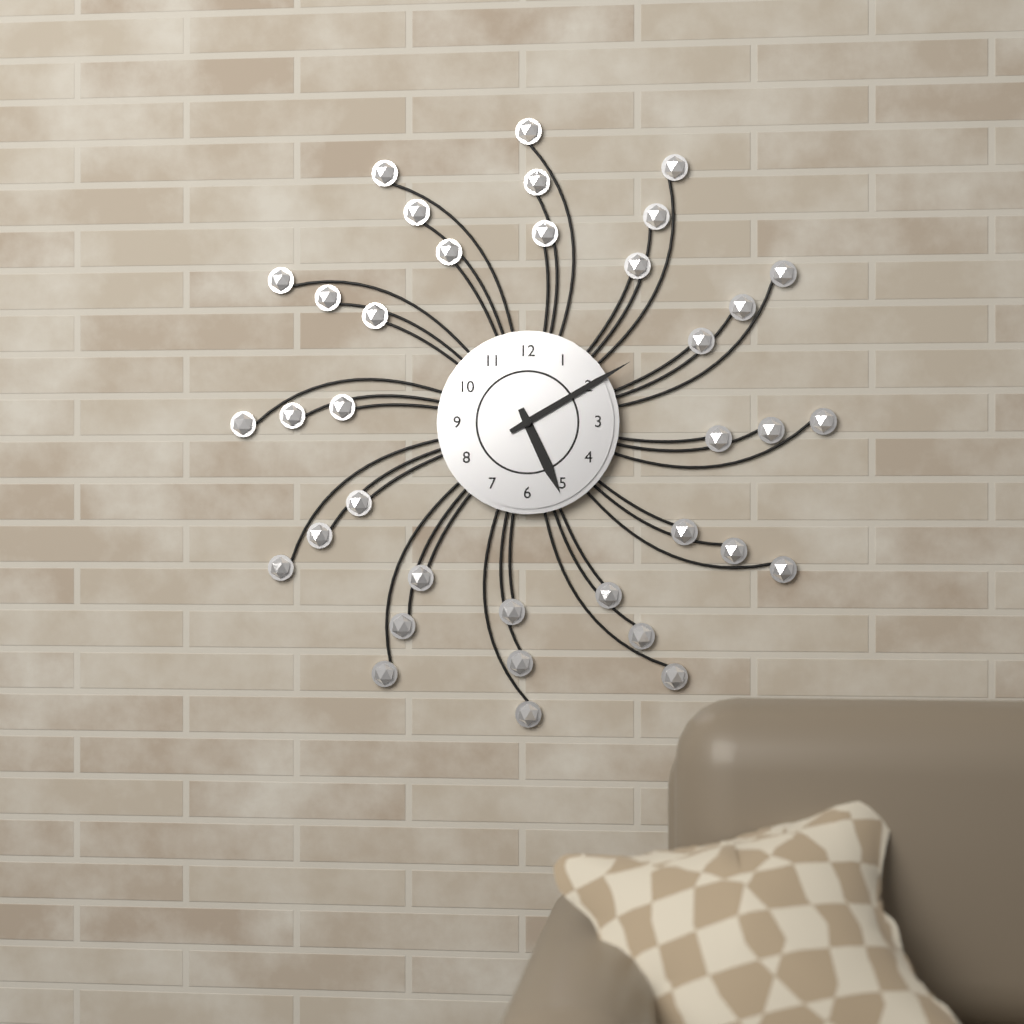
5:10
